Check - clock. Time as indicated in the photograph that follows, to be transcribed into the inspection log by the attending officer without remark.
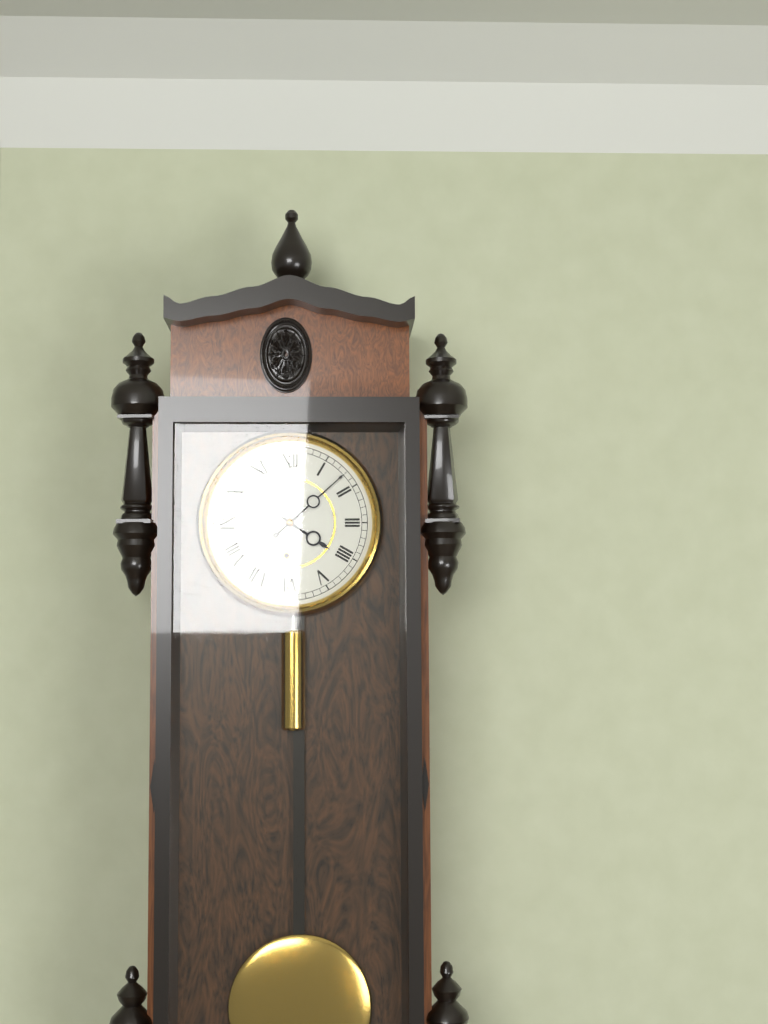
4:08
